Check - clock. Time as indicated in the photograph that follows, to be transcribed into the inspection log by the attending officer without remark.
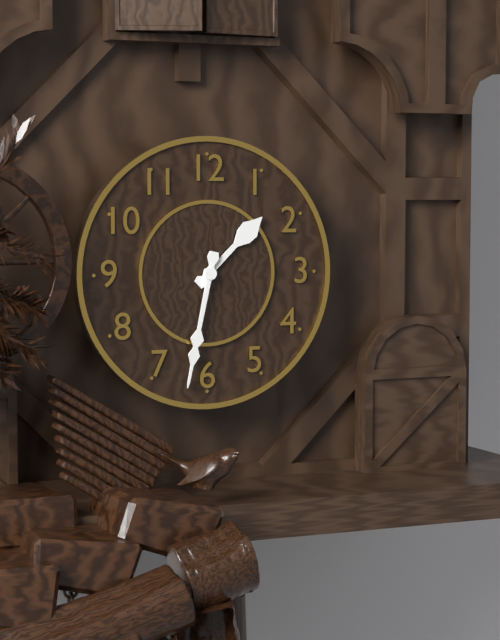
1:32
